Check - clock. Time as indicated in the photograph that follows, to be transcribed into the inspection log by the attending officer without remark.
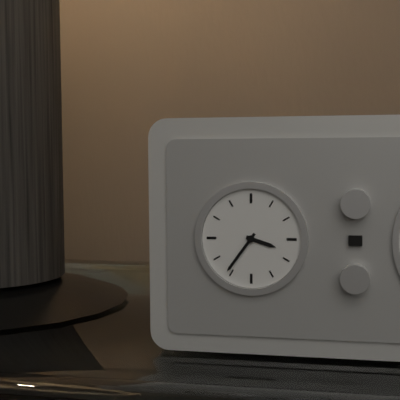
3:36
